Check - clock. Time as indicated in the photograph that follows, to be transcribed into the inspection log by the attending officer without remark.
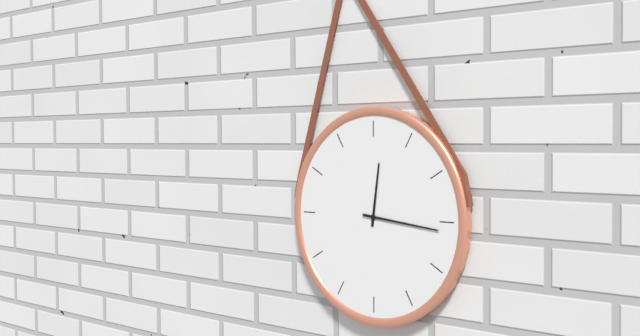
12:16
